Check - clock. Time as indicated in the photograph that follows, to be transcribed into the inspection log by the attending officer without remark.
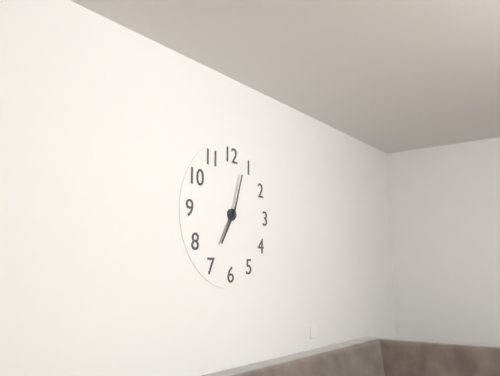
7:03
